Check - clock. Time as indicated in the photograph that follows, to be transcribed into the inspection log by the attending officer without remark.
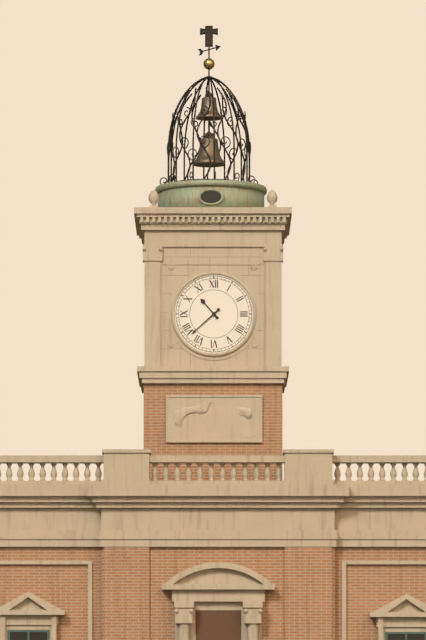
10:38
